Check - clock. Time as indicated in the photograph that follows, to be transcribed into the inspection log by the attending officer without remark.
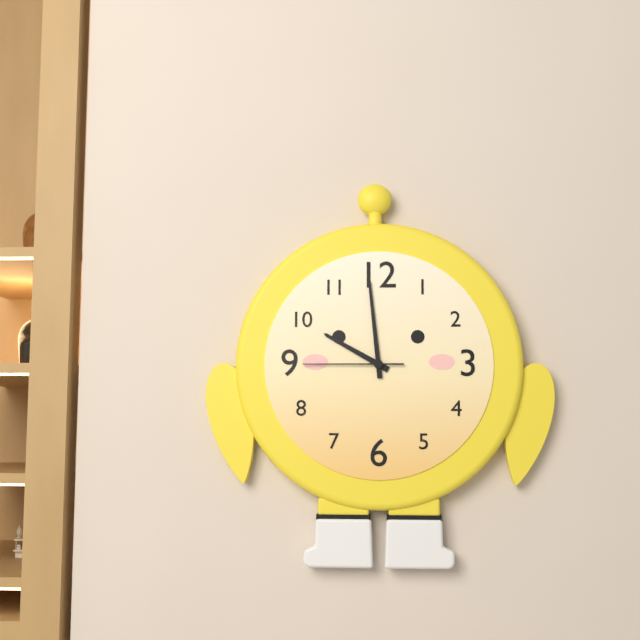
9:59:45
